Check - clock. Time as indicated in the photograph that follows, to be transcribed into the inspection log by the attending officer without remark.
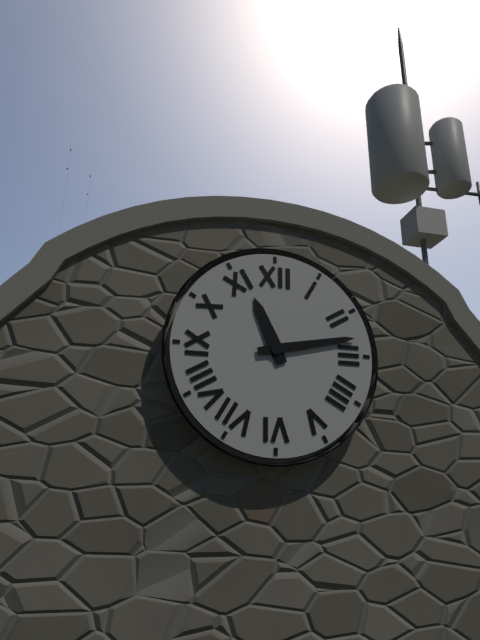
11:13
